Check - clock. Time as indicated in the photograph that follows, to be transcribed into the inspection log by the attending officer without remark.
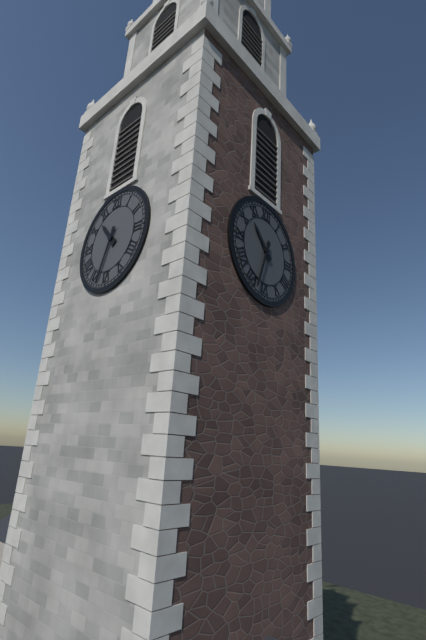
10:33
